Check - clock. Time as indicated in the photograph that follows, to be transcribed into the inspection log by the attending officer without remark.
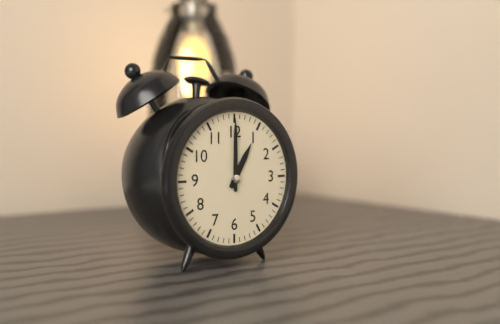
1:00
